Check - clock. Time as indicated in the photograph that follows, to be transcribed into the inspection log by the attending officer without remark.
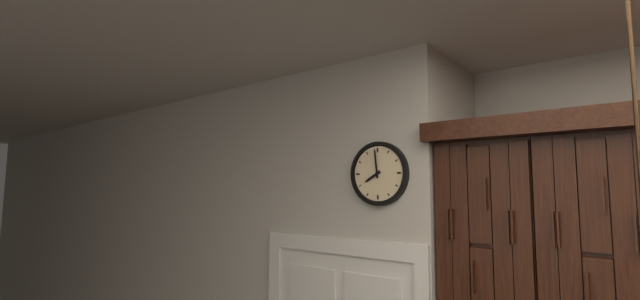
7:59
